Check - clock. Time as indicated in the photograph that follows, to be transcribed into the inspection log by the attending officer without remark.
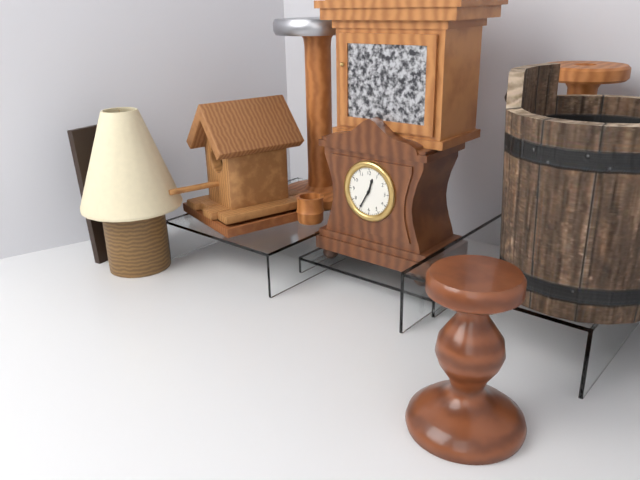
12:35
